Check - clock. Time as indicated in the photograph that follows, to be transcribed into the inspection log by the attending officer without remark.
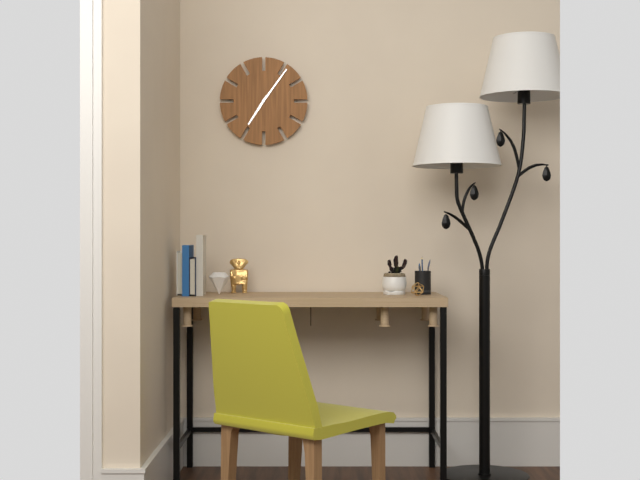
7:06
